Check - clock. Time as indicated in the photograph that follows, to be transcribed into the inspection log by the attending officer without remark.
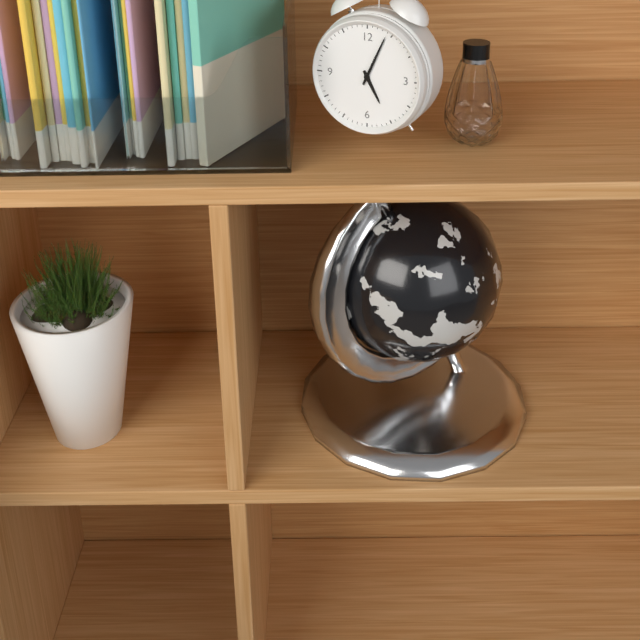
5:04
